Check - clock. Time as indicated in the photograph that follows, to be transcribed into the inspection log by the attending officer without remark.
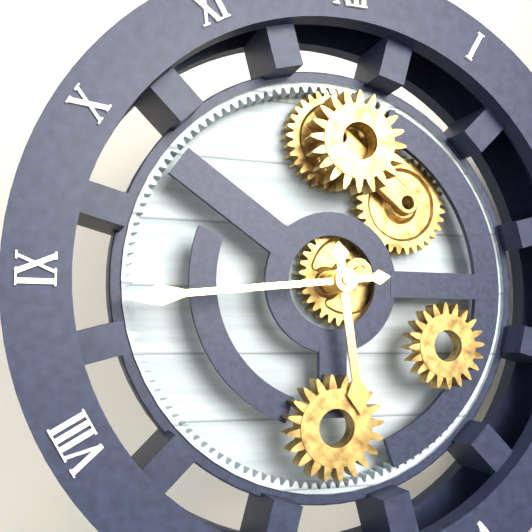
5:44
